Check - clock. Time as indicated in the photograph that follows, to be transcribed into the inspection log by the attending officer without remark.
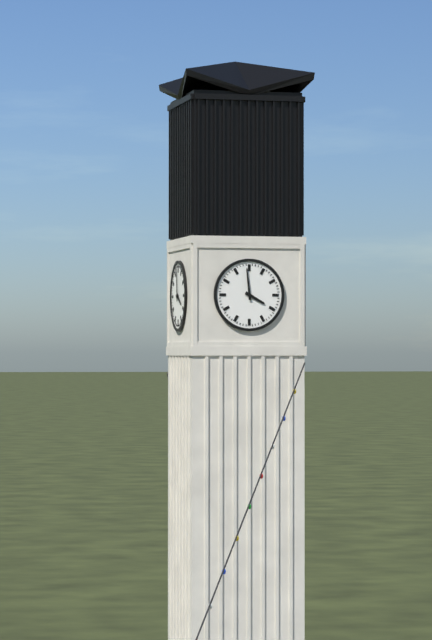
3:59
